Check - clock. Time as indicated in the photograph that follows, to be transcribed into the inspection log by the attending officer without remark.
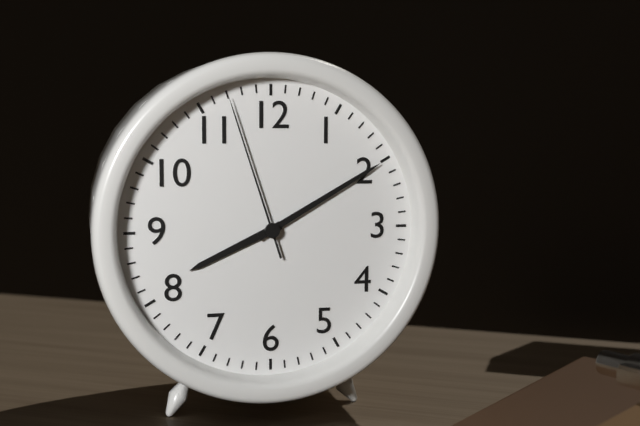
8:10:57
